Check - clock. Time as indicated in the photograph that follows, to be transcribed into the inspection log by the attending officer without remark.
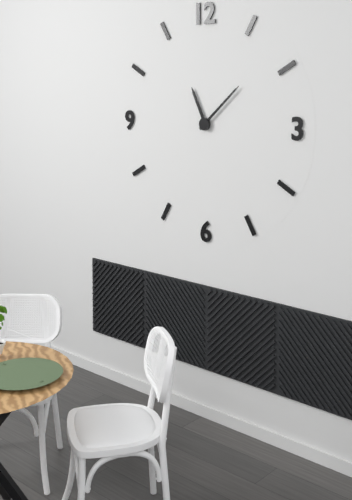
11:08
